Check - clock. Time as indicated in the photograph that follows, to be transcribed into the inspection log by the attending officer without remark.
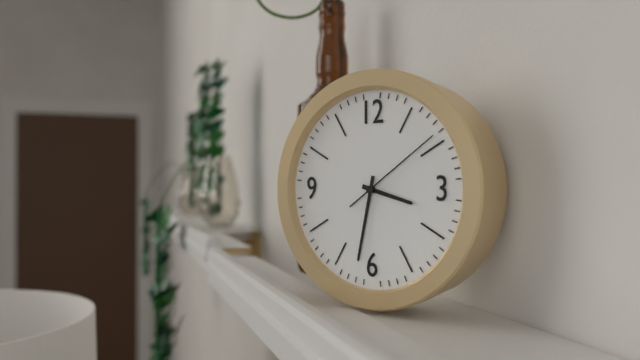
3:32:09
